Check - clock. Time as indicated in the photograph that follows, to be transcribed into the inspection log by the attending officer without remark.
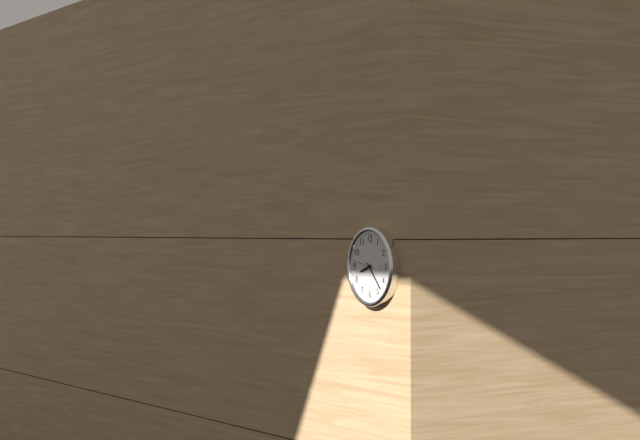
8:23
